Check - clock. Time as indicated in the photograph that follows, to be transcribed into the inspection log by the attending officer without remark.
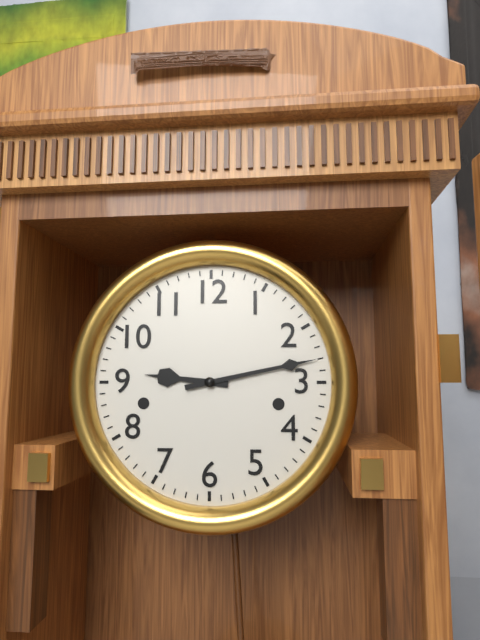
9:13
